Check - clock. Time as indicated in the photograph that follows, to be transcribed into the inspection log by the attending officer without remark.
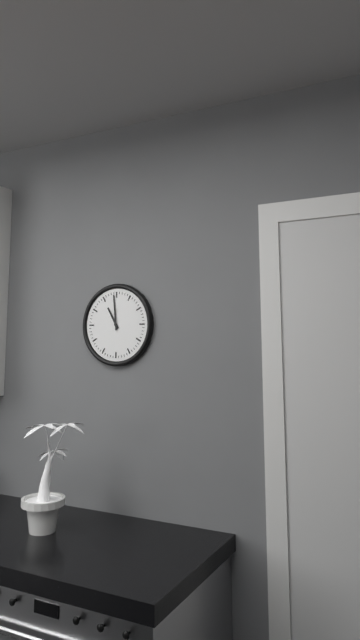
10:59
